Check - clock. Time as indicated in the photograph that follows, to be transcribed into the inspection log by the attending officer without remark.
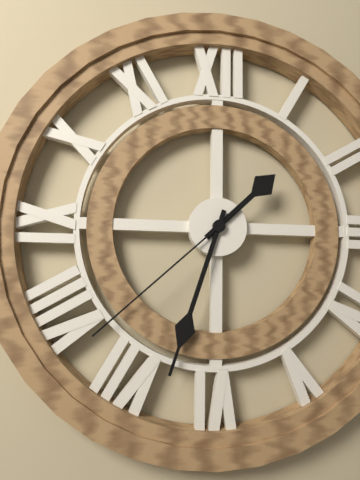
1:33:38
